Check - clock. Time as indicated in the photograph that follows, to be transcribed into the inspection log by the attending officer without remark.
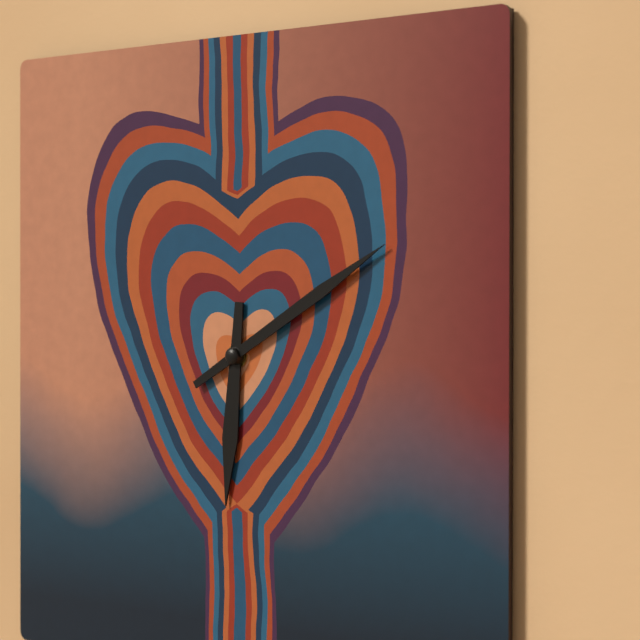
6:10
